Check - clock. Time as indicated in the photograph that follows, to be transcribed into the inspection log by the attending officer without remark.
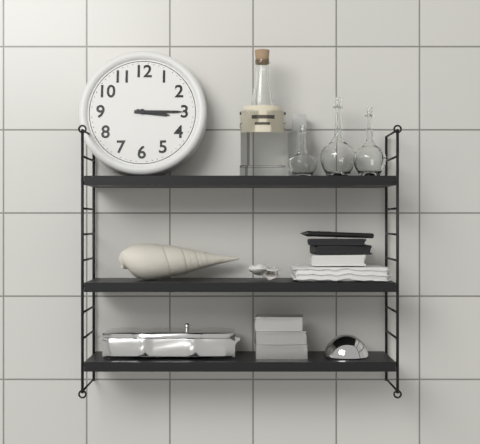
3:15
